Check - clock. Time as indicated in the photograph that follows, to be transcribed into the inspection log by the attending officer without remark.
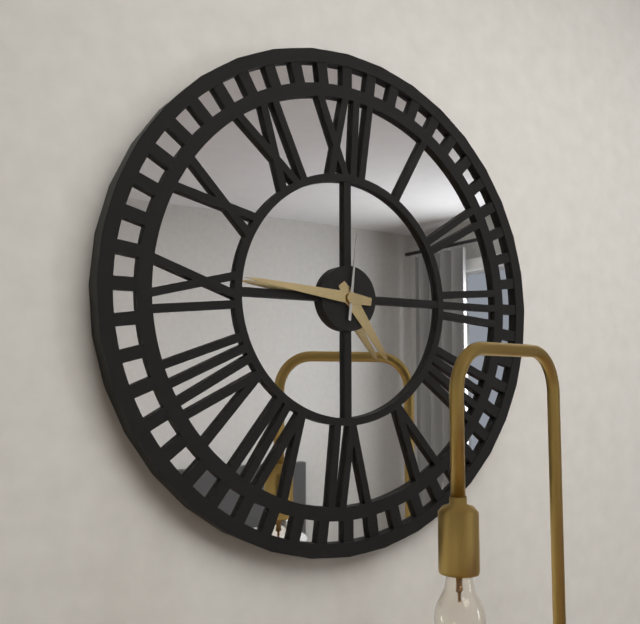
4:46:01
